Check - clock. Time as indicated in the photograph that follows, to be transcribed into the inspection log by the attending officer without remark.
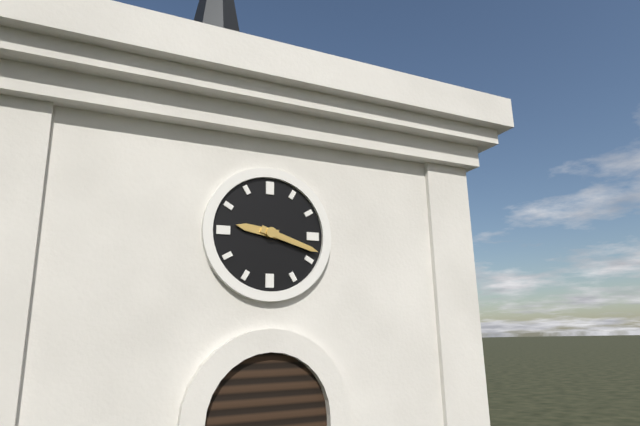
9:18
